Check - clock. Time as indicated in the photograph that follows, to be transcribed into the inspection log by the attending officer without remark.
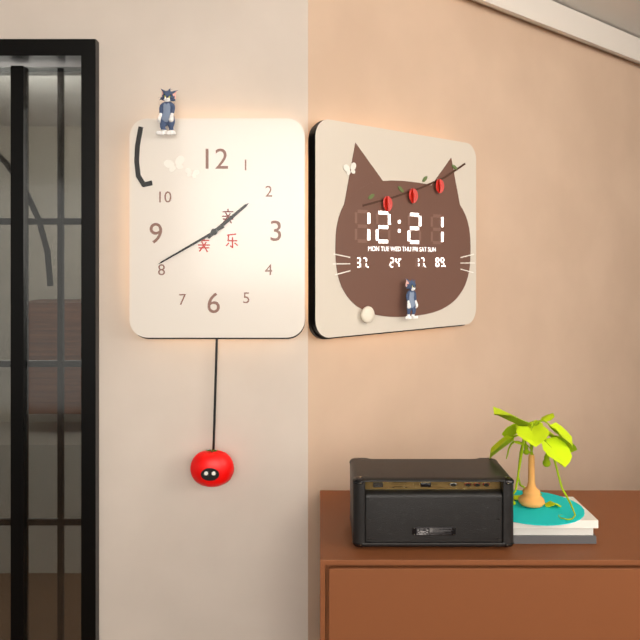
1:40
